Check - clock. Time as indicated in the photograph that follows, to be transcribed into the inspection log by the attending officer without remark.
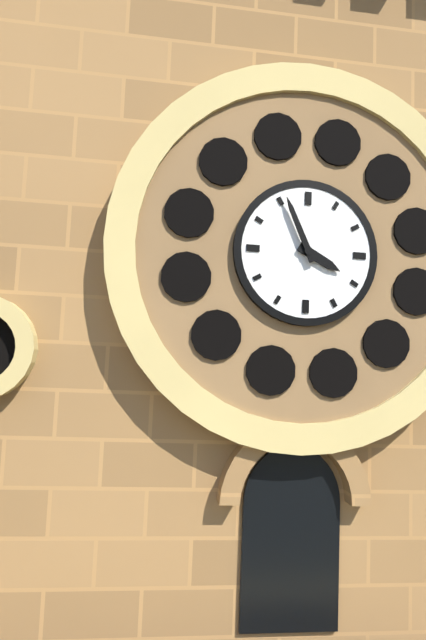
3:56
